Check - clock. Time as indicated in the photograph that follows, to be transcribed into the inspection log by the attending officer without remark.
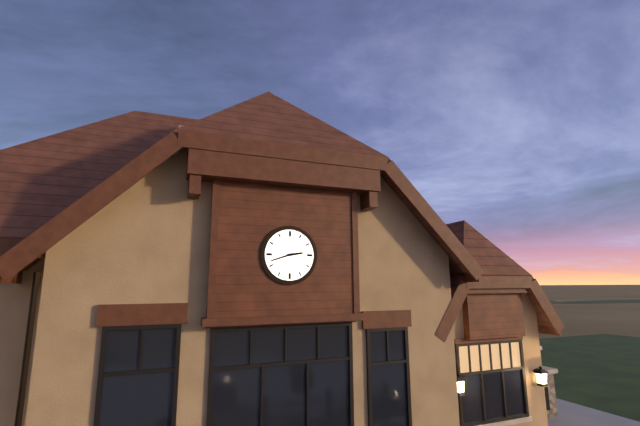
2:42
